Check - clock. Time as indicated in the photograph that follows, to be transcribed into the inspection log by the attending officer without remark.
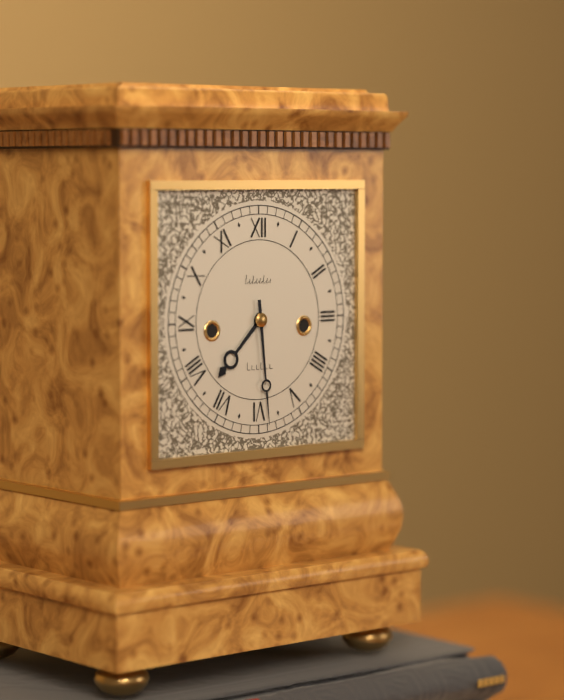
7:29
